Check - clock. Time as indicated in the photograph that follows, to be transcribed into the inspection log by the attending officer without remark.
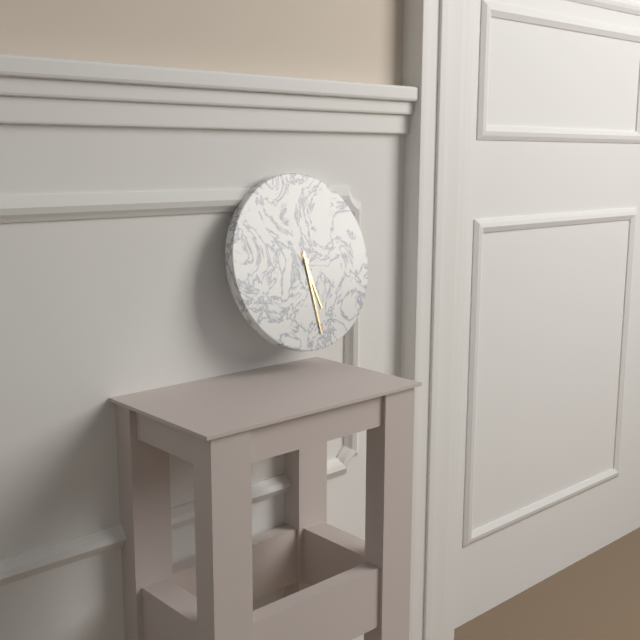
5:29
